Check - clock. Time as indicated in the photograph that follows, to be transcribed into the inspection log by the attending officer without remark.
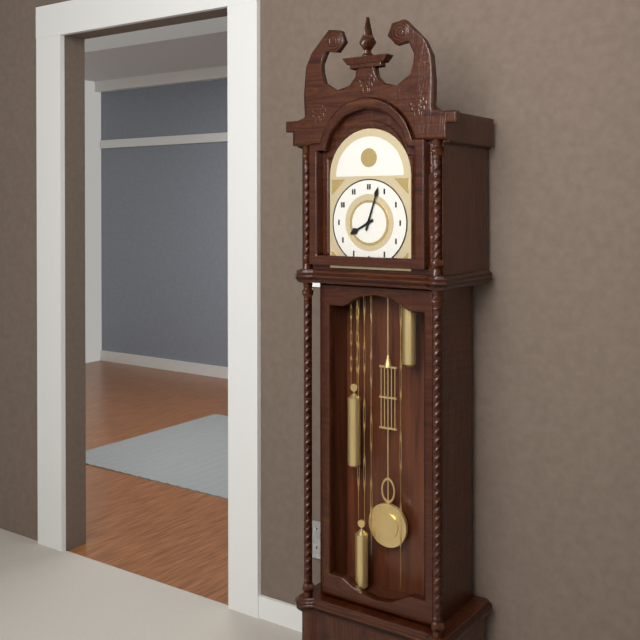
8:03
